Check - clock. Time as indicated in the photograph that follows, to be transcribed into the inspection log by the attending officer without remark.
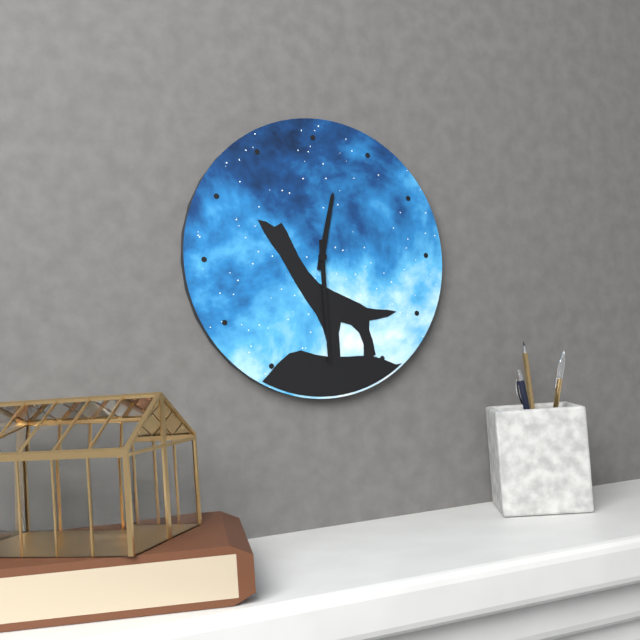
12:30
